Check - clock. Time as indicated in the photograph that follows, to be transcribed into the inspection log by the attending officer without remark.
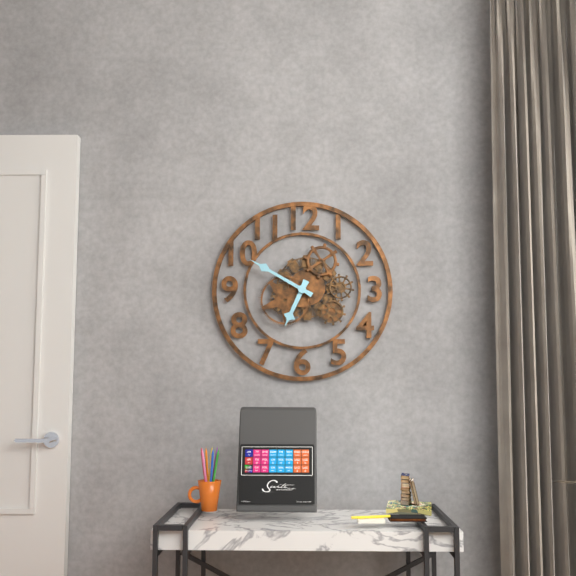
6:50
